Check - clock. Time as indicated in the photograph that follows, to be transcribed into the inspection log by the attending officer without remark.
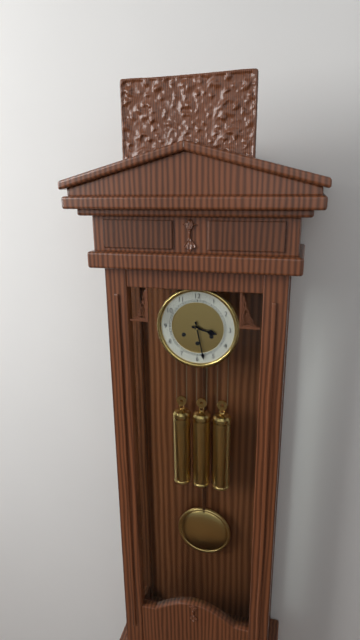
3:28
